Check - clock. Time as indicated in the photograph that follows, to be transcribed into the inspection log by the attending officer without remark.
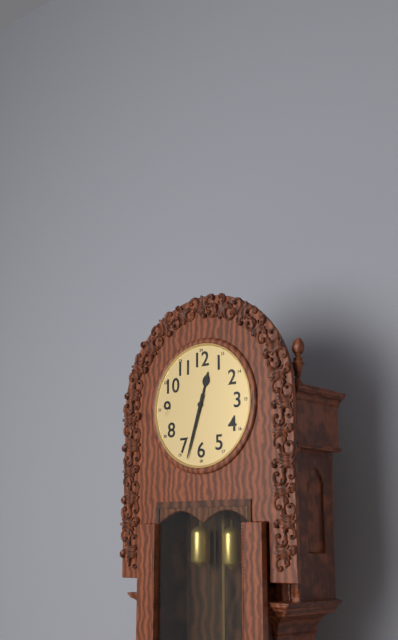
12:33
